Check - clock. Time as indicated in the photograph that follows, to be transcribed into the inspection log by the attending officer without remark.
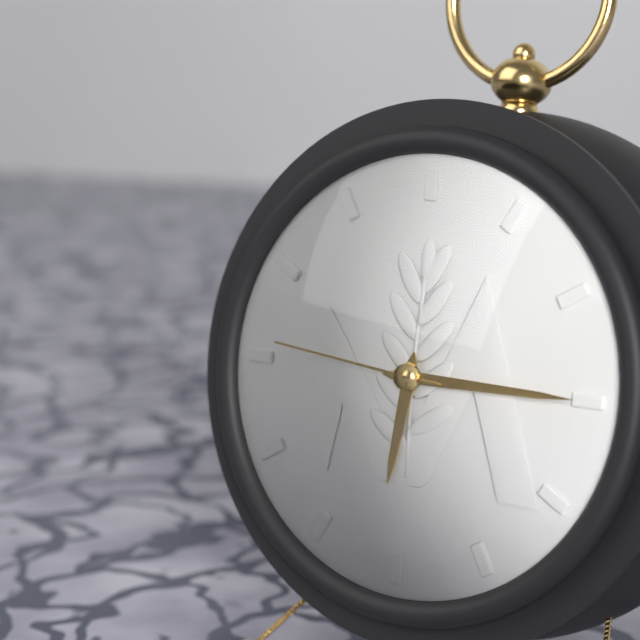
6:15:46
